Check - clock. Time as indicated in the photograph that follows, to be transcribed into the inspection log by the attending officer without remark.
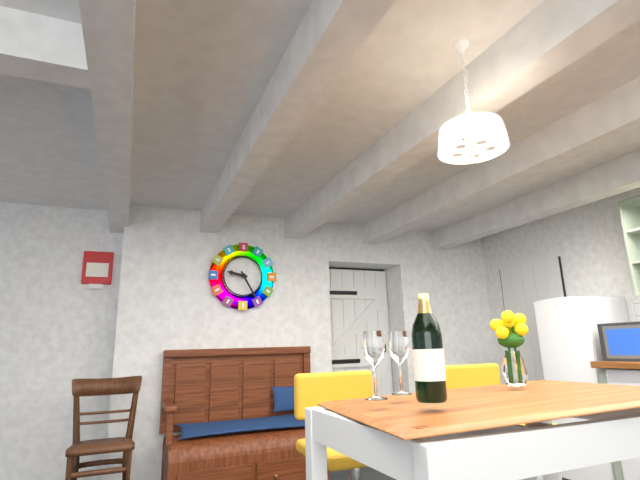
9:25
